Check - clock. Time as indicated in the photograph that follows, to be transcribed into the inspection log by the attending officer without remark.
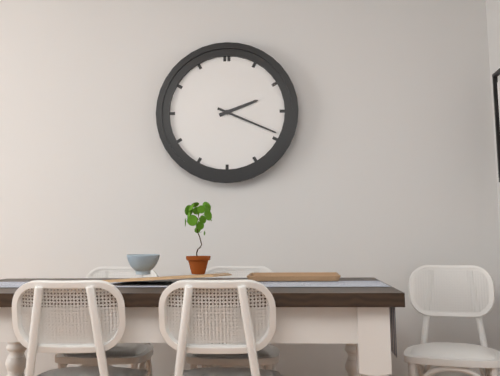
2:19
